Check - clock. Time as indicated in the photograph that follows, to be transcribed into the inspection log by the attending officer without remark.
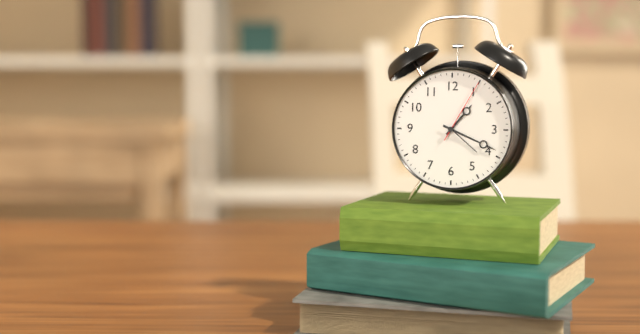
1:19:05
